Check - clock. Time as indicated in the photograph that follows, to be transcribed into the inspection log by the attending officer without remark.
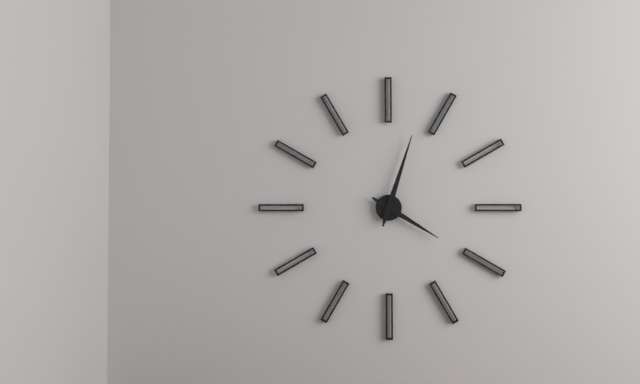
4:03
